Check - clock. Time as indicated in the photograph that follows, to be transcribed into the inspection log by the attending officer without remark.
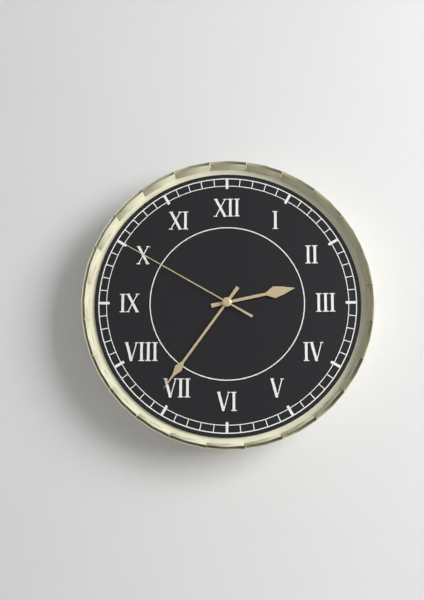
2:36:50
